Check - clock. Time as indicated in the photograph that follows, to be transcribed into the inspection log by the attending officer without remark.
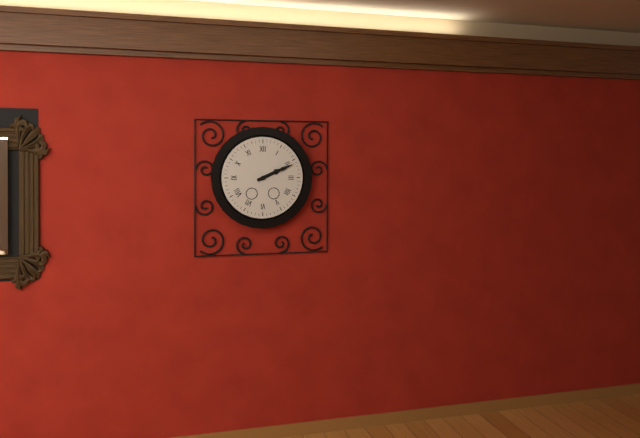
2:11
